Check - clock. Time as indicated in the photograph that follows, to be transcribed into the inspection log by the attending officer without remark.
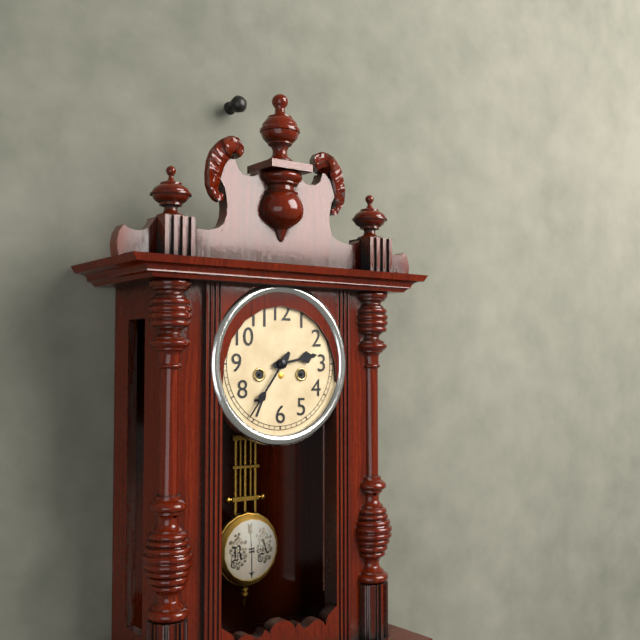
2:36
